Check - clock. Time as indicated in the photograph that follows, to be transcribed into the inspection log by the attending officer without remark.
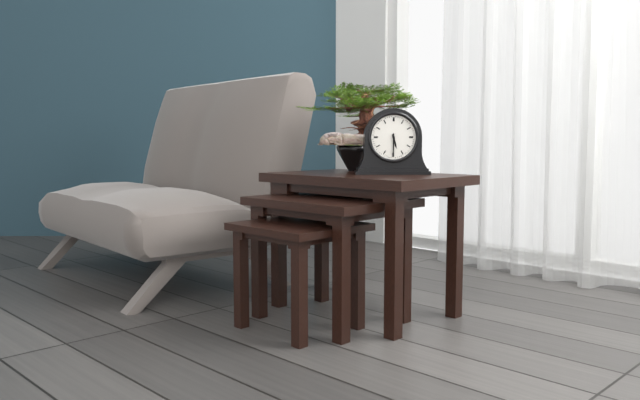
5:30
